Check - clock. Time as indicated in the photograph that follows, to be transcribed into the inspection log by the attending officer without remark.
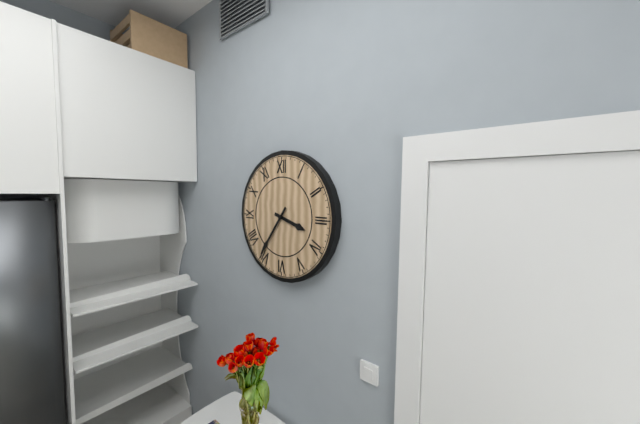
3:36
